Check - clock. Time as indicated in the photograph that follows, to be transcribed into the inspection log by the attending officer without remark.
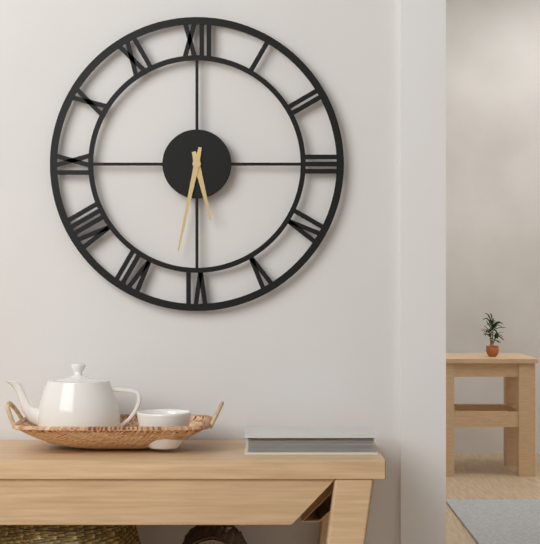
5:32
